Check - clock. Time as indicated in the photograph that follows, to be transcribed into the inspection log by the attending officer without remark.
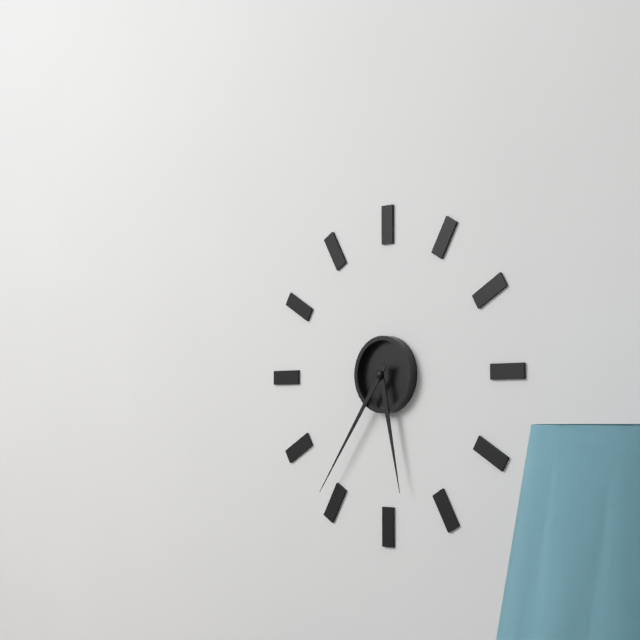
5:36
